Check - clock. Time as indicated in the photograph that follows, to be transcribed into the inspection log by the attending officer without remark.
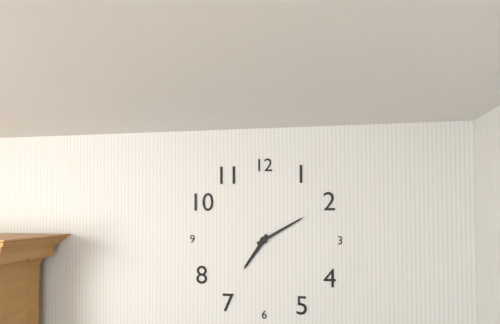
7:10
